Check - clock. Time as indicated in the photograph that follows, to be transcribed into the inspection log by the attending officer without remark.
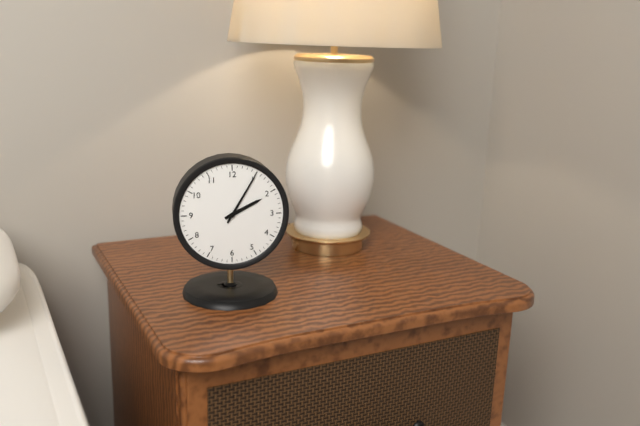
2:05
